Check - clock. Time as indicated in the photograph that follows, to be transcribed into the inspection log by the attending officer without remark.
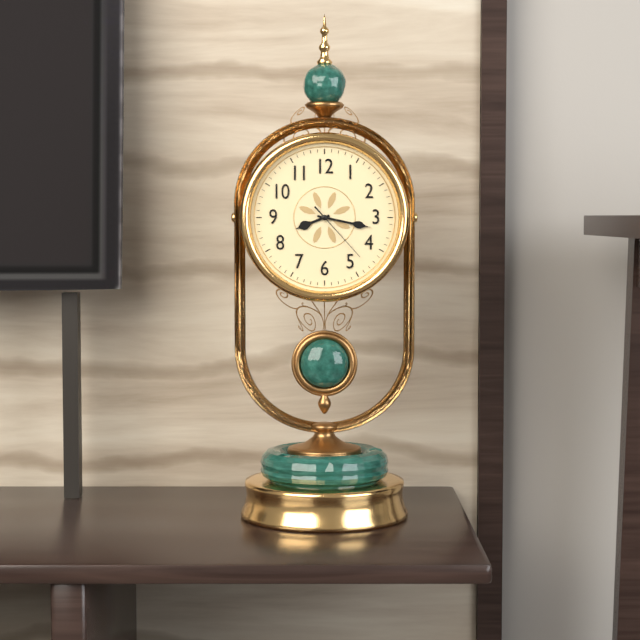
8:17:23
